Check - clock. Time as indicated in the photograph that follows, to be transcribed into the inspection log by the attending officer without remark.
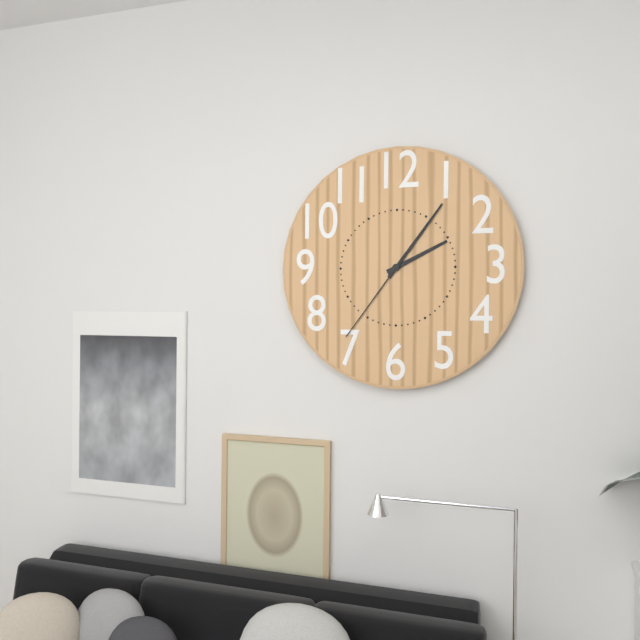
2:06:36
